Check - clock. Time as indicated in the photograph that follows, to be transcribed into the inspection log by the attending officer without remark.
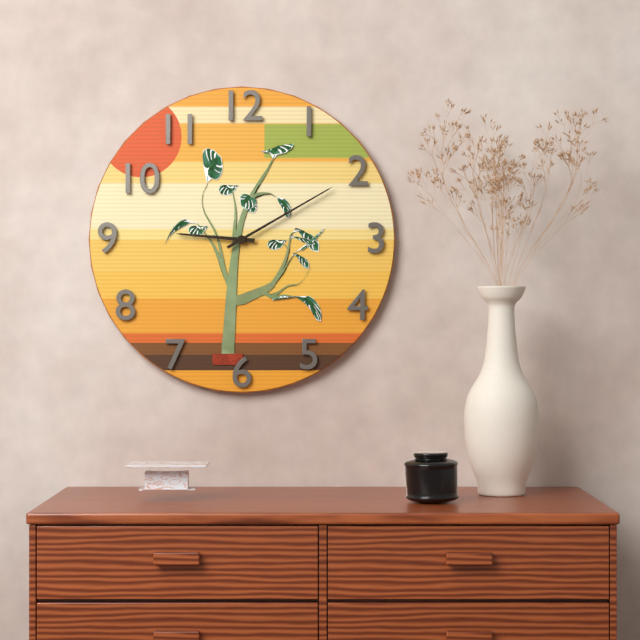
9:10
